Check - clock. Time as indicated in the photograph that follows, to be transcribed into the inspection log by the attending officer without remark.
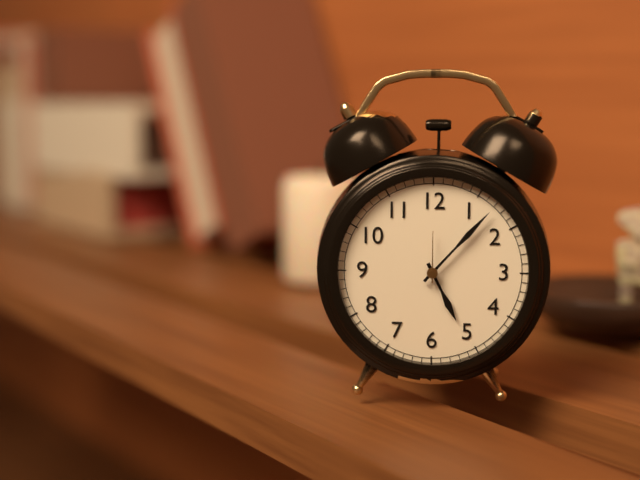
5:07:00
